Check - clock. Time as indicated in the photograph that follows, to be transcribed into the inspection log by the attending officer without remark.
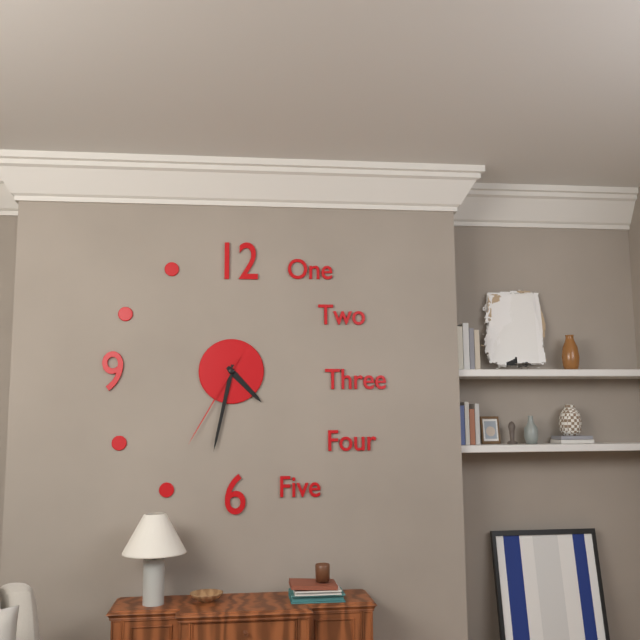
4:32:35
